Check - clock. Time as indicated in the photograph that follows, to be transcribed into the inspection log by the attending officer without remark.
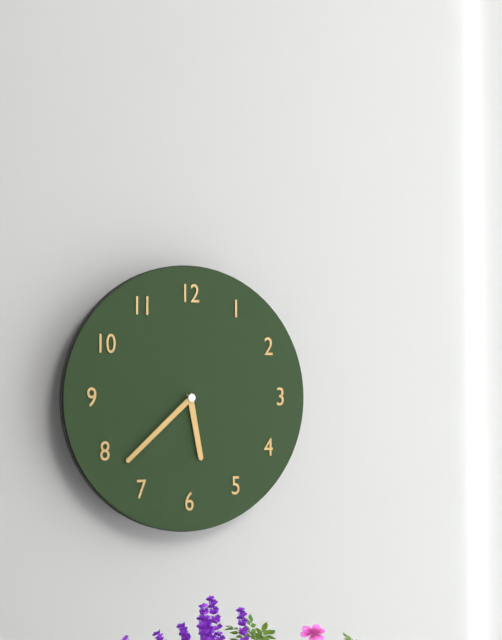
5:38
